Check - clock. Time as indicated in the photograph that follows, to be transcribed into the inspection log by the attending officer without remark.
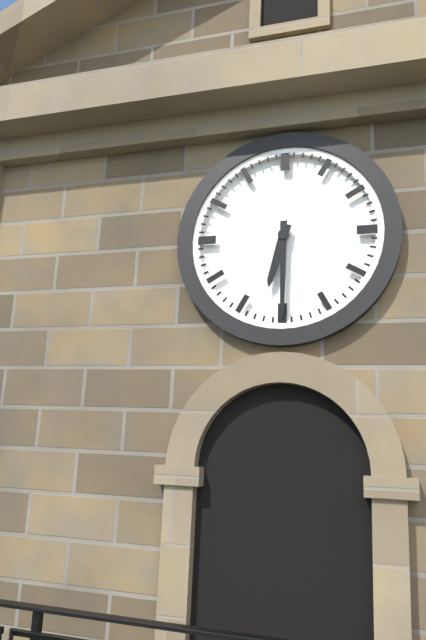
6:30
